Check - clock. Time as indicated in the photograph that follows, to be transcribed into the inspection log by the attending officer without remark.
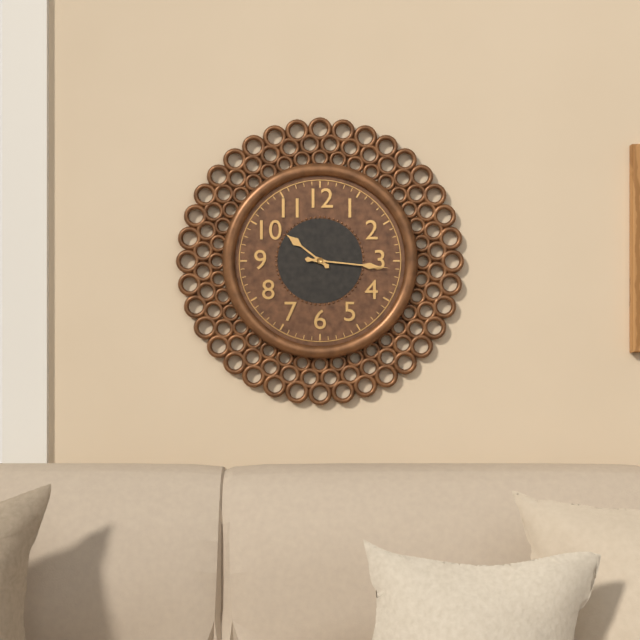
10:16
